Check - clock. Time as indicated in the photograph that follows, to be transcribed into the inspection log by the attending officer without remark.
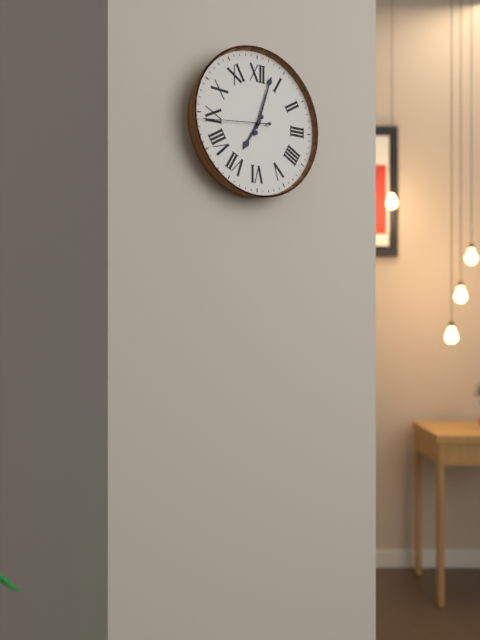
7:03:44
